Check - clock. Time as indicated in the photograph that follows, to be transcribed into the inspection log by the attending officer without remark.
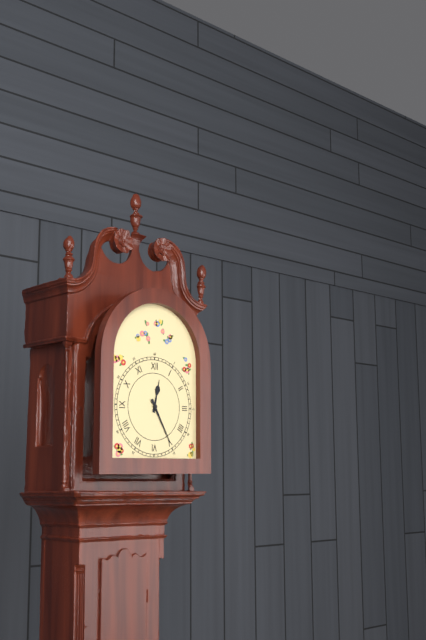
12:25
